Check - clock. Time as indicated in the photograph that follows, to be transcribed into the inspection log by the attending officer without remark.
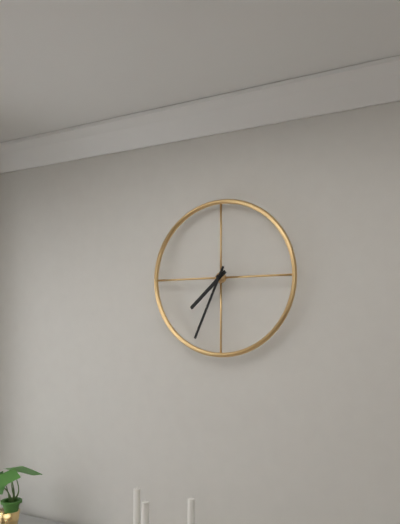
7:34
